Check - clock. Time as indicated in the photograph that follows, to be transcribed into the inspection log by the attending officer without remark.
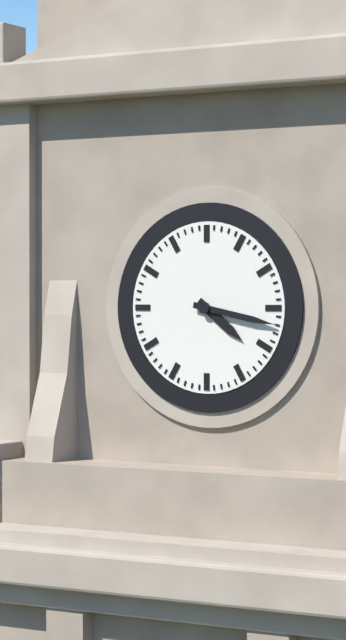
4:17
